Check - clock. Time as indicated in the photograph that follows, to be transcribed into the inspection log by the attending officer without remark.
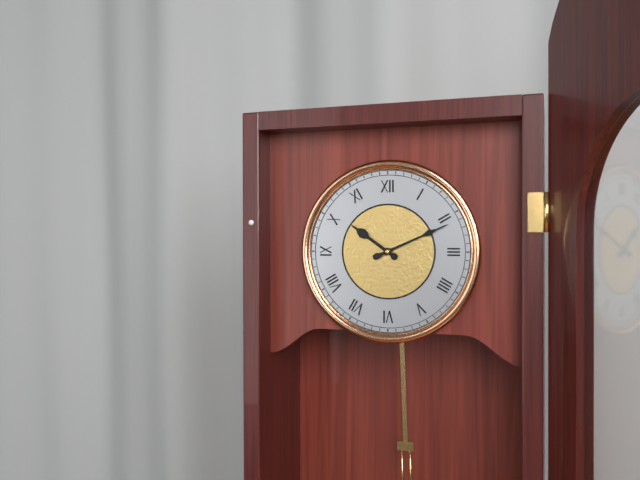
10:11
